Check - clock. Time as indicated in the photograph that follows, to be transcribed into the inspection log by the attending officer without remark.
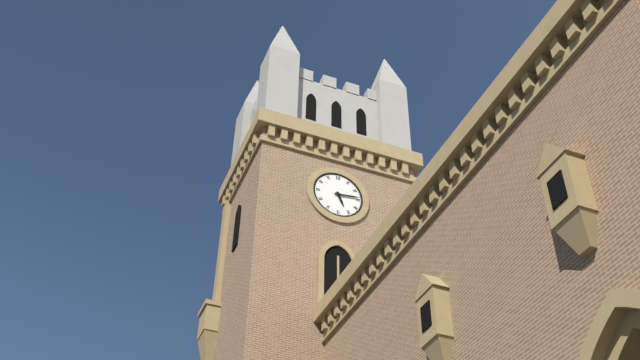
5:14
